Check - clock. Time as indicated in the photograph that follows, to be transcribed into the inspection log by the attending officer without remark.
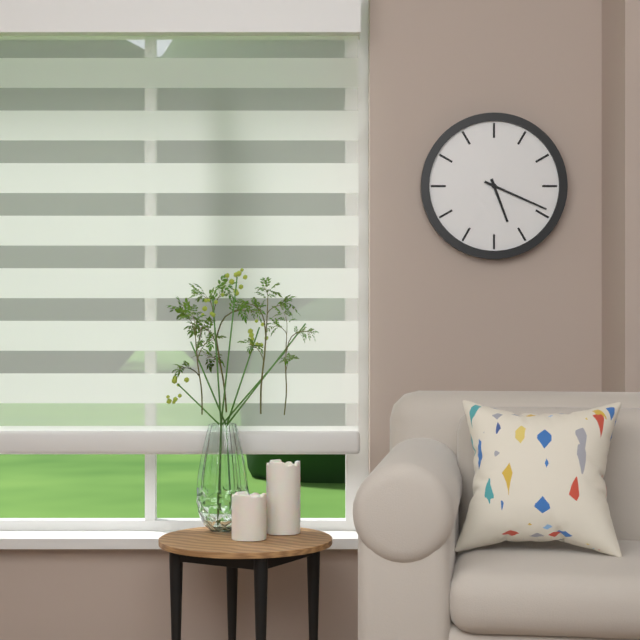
5:19
